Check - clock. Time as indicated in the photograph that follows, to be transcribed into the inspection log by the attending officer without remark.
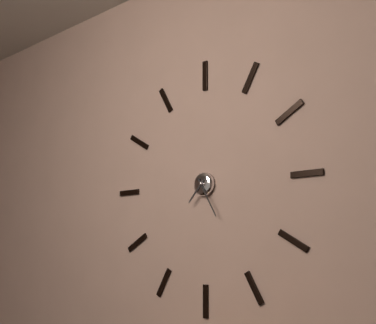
7:25
